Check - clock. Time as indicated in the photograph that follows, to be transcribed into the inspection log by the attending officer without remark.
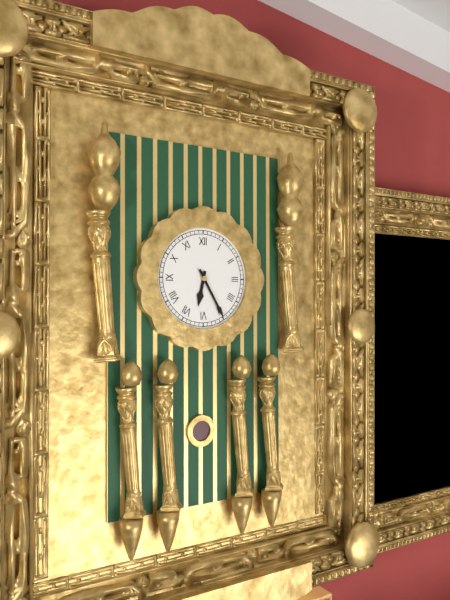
6:25
